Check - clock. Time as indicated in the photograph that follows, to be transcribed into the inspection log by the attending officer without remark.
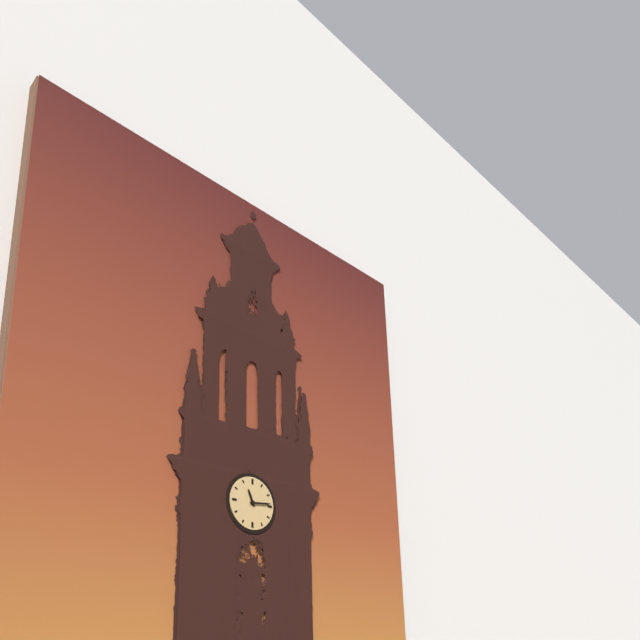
11:14
